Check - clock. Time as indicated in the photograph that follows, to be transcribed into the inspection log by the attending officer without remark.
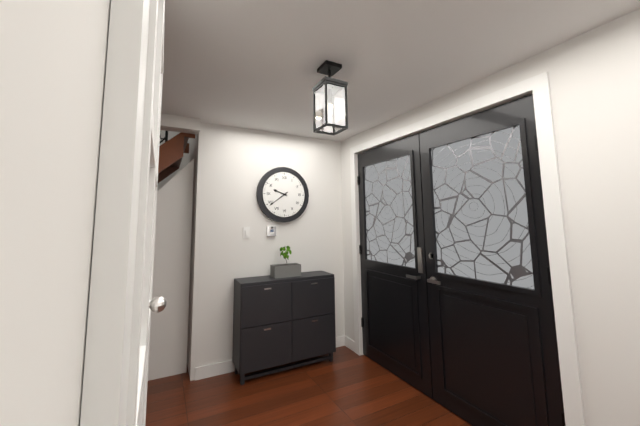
9:39
